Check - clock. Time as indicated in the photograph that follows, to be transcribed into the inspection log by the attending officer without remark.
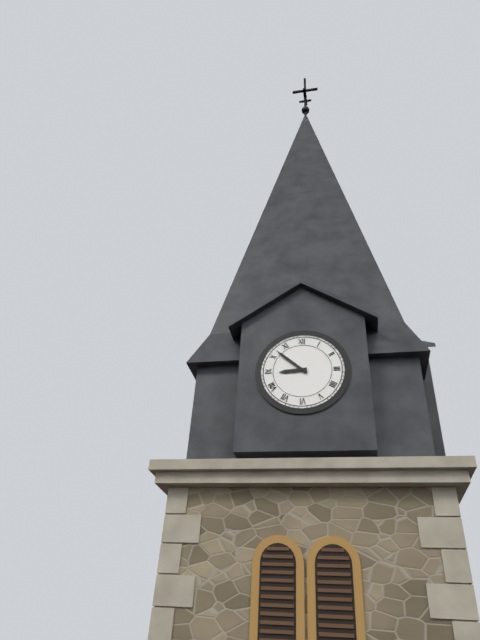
8:52
